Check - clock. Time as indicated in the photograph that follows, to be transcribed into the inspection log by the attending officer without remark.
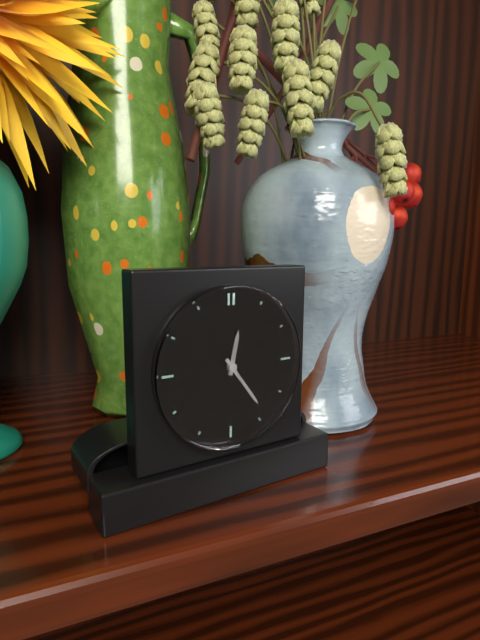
12:24
